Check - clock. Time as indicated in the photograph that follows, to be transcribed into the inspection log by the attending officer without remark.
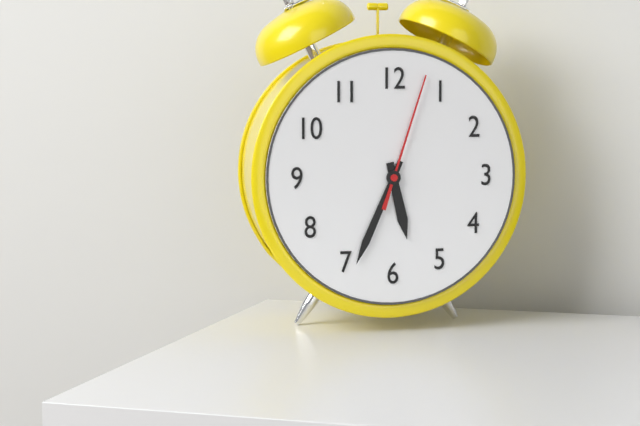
5:34:03
